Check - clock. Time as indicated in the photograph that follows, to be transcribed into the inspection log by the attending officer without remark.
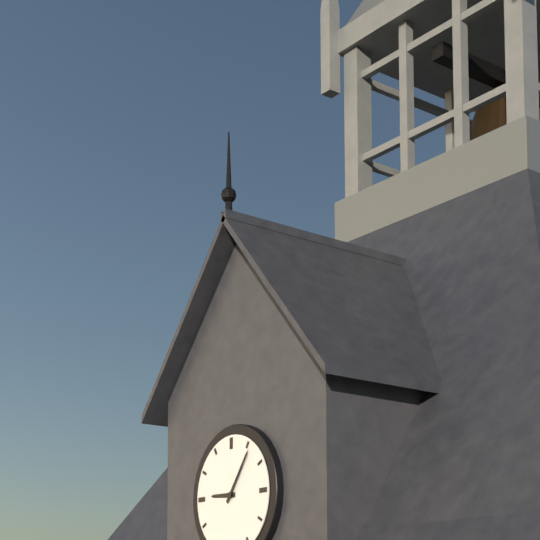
9:06
